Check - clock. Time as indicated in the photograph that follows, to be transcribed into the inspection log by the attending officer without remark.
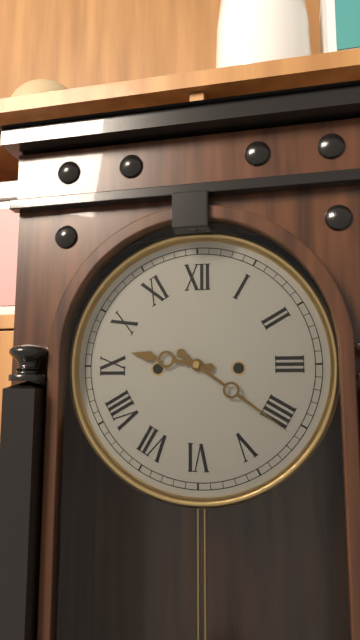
9:21
